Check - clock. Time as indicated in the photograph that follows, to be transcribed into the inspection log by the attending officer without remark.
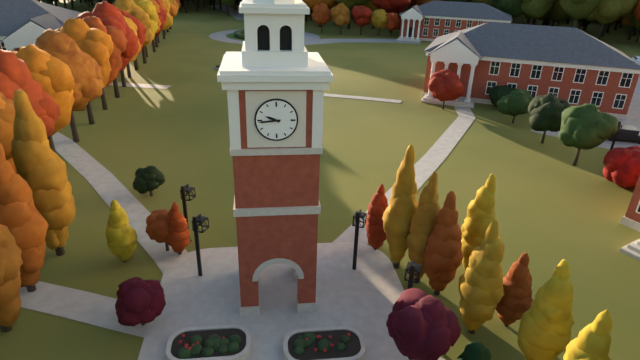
9:44
